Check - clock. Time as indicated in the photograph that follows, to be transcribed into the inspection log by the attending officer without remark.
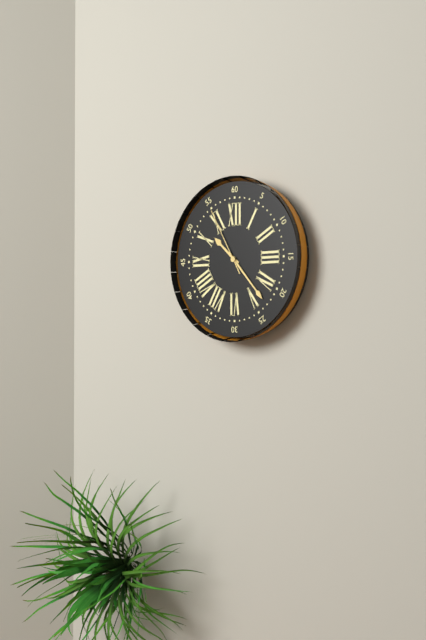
10:23:55
